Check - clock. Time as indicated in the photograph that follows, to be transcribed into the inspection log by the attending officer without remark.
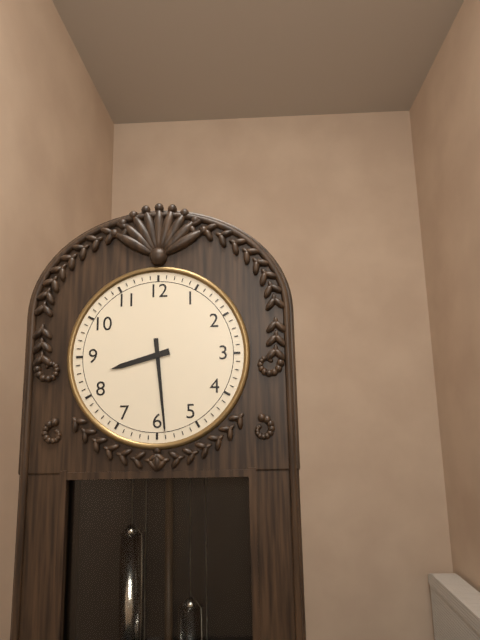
8:29
